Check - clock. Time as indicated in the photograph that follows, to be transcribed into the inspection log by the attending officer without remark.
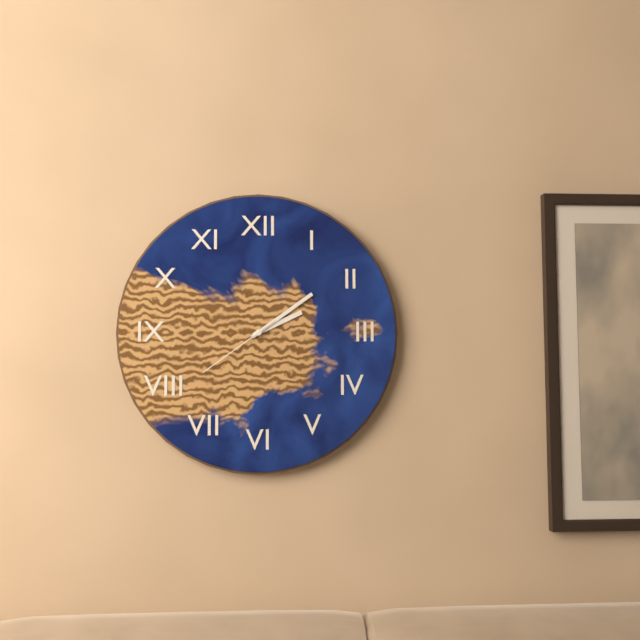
2:09:39
